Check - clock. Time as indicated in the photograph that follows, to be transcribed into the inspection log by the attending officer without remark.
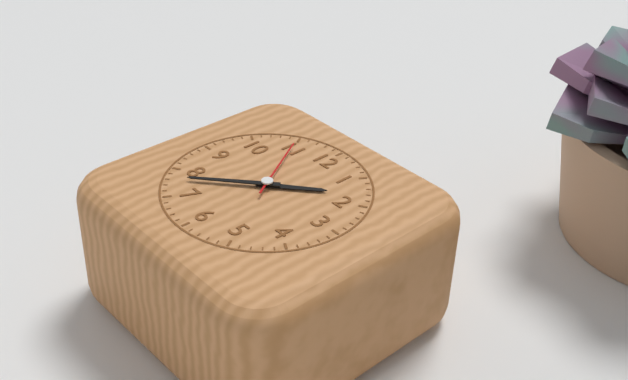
1:38:55
